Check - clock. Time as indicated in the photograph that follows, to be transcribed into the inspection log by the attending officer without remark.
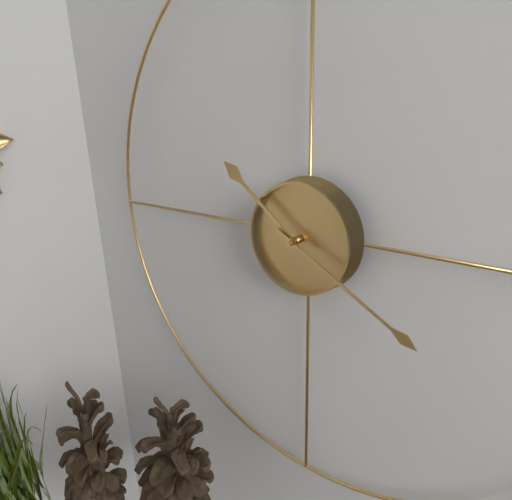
10:20
